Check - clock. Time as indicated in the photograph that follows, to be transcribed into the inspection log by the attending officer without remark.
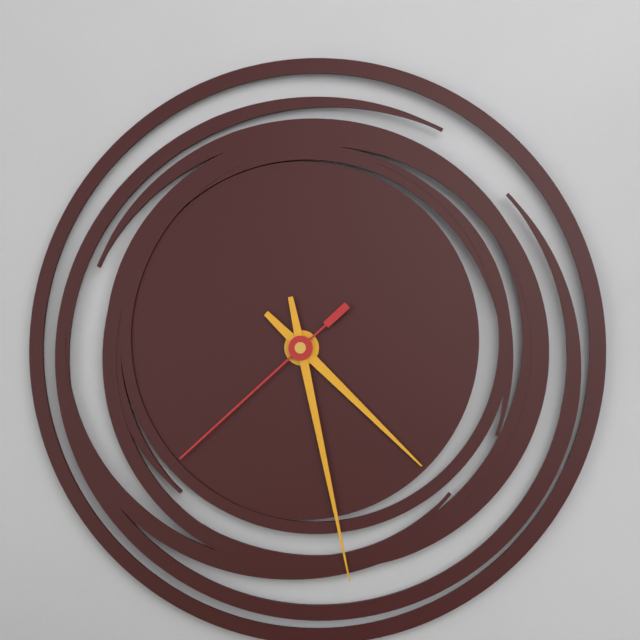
4:28:38
